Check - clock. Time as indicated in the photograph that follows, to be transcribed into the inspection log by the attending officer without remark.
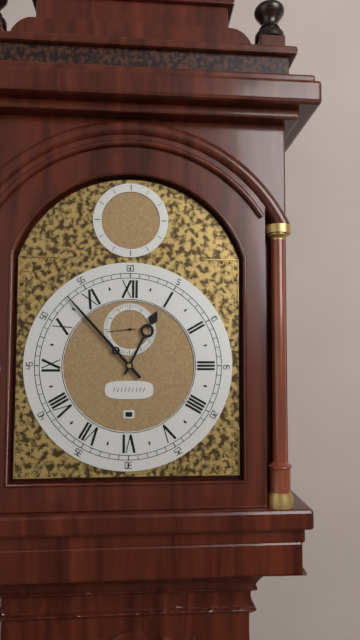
12:53
